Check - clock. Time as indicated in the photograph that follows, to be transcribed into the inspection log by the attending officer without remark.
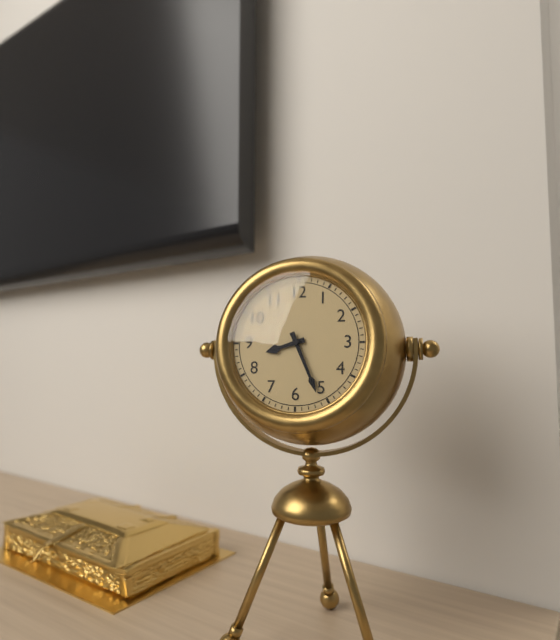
8:26
